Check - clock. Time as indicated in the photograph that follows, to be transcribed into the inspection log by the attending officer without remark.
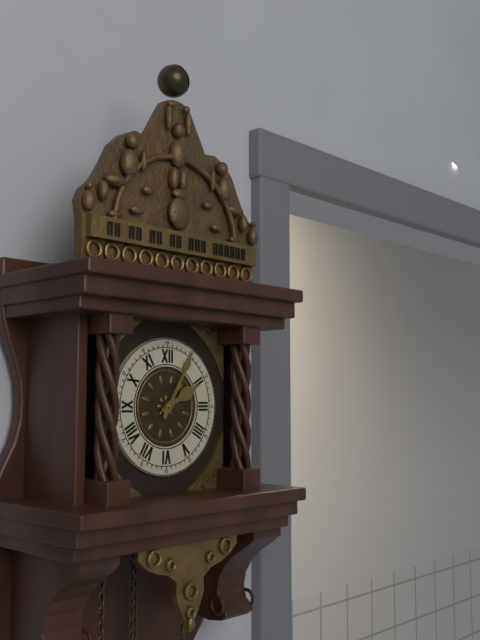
2:05
